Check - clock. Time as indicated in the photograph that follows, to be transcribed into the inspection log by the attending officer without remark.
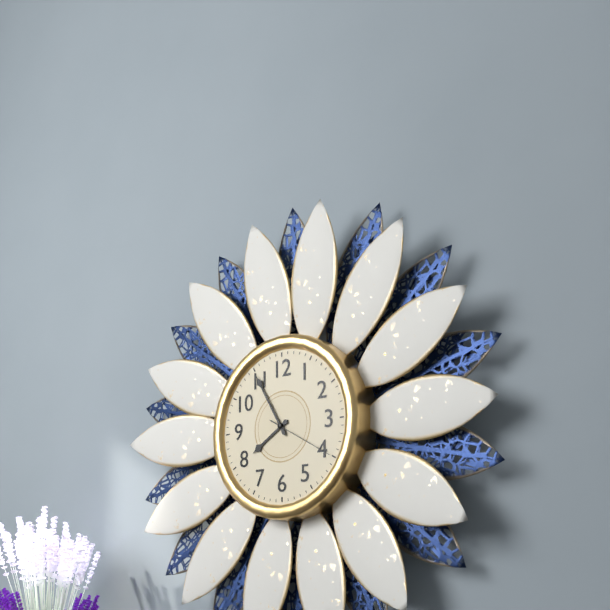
7:55:20
